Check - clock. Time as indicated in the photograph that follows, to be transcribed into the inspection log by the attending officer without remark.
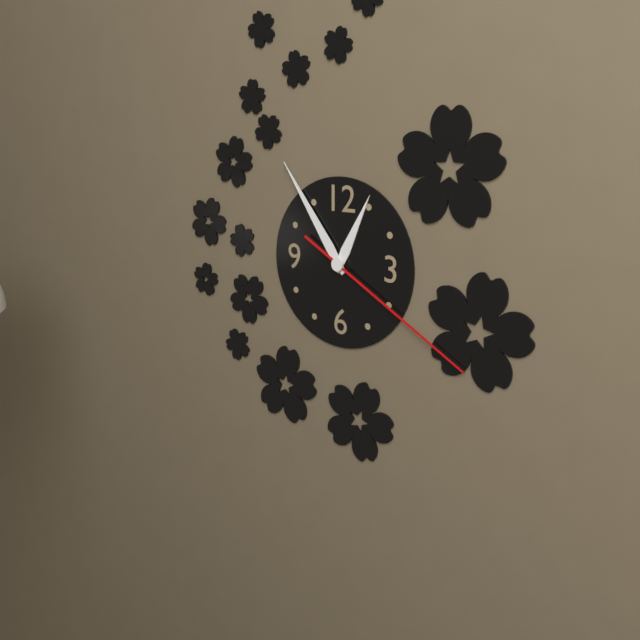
12:54:20
